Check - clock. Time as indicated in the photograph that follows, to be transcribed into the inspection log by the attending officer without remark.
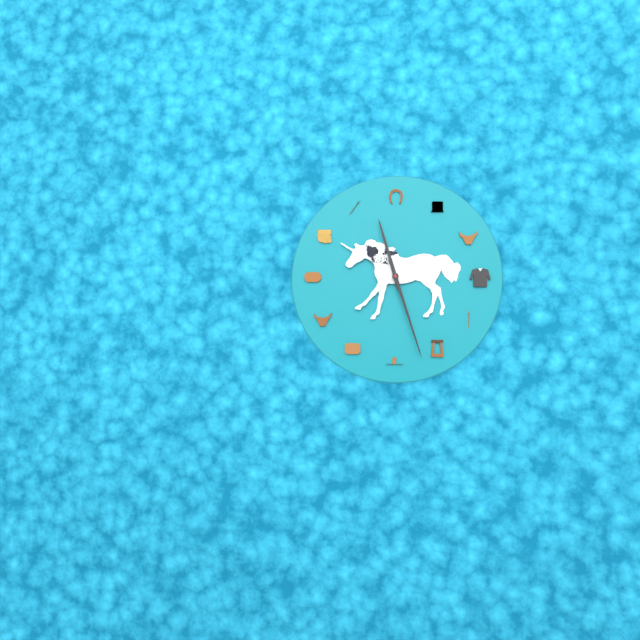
11:27
